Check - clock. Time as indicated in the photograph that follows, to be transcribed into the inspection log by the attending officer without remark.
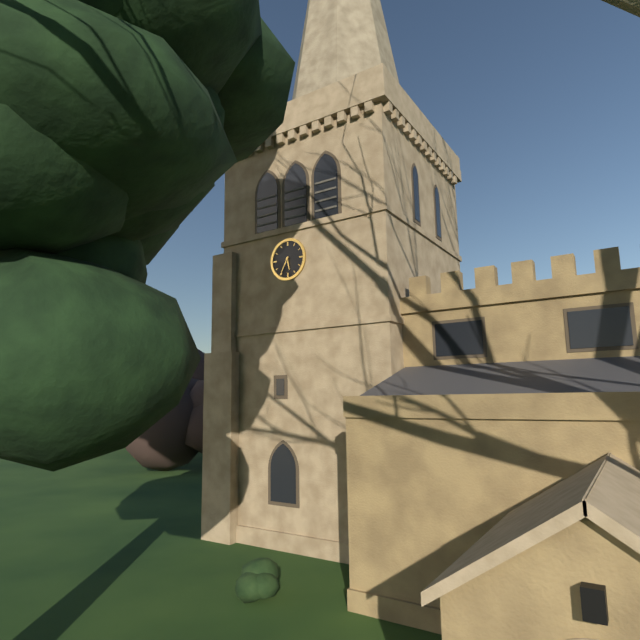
5:35
